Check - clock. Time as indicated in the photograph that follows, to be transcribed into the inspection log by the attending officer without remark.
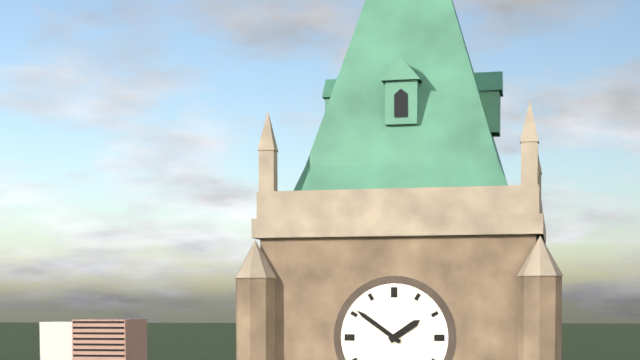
1:51
